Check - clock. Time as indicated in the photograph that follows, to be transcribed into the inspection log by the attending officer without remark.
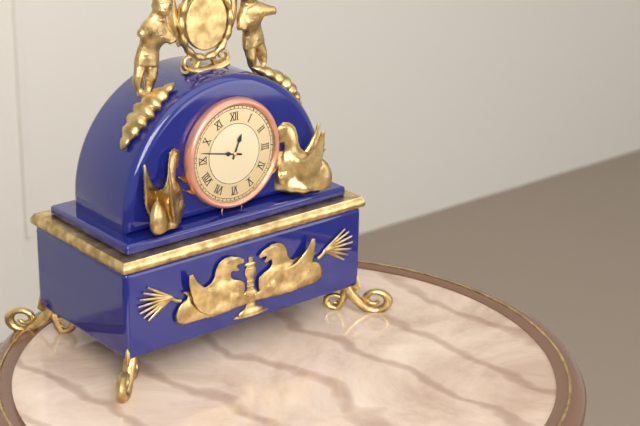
12:47
